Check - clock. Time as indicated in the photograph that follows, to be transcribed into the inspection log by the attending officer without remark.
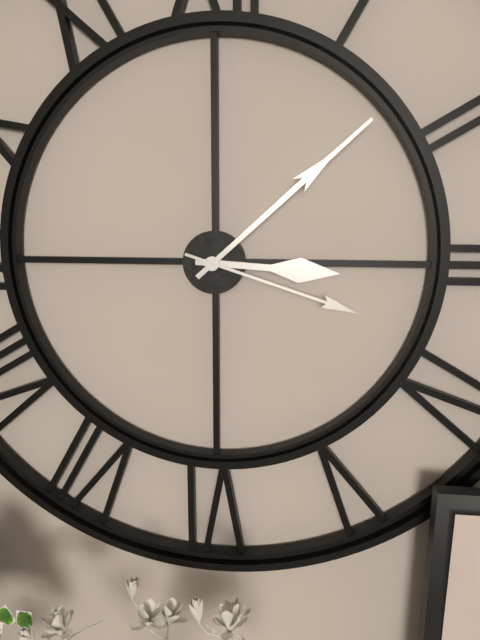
3:08:18
